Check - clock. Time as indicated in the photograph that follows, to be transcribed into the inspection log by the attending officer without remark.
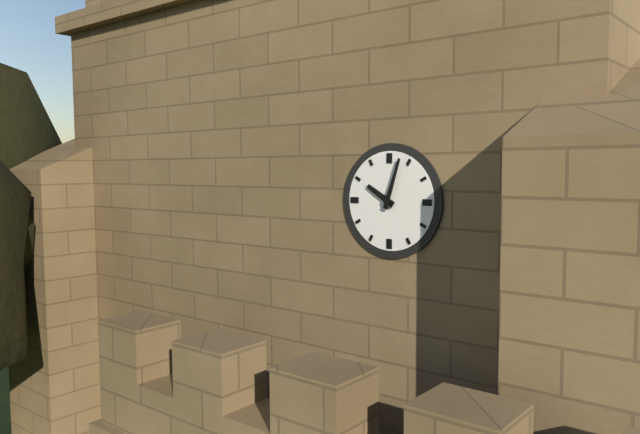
10:03
